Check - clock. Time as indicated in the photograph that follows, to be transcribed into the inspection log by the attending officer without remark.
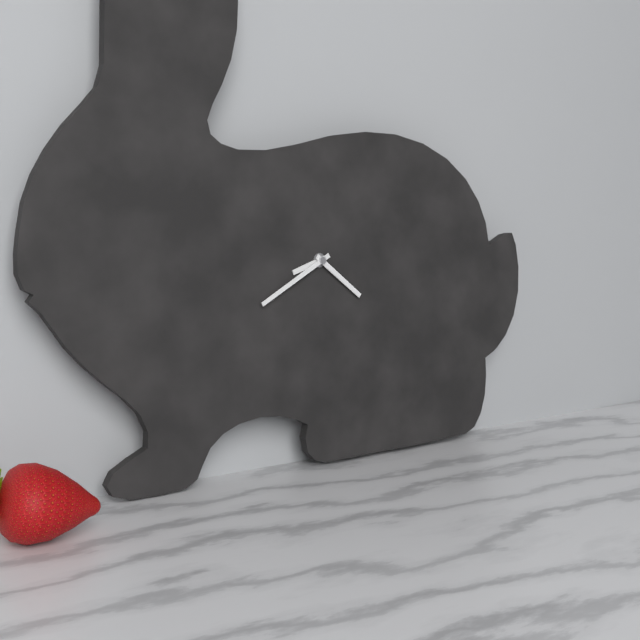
8:21:40
